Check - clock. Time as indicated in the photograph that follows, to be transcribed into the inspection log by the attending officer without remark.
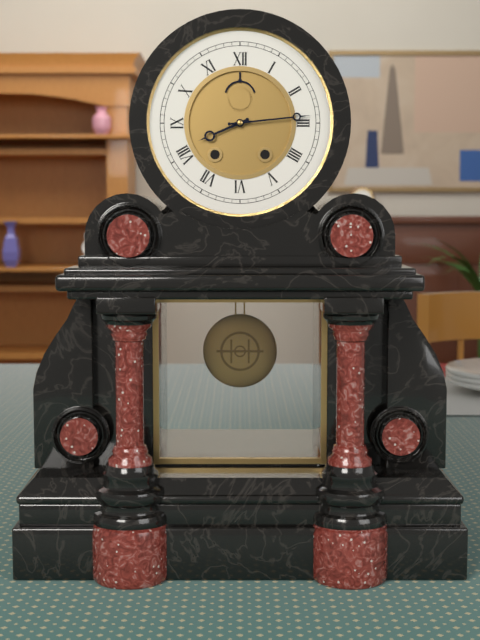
8:14
